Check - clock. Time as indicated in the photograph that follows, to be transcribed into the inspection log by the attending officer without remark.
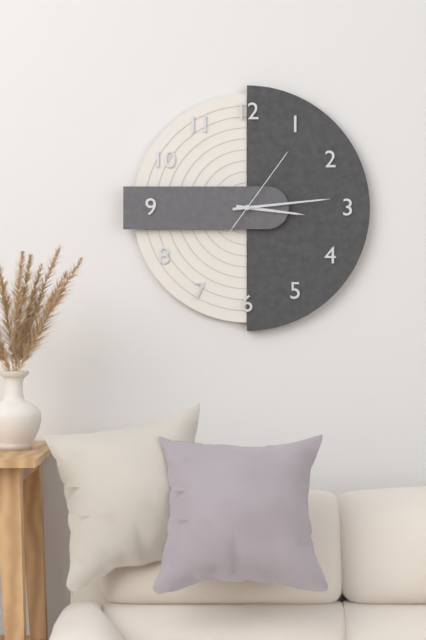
3:14:06
